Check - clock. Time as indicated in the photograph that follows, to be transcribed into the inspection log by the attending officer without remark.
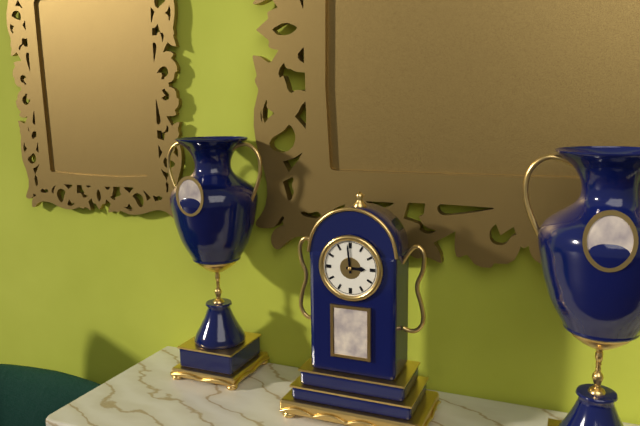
2:59
